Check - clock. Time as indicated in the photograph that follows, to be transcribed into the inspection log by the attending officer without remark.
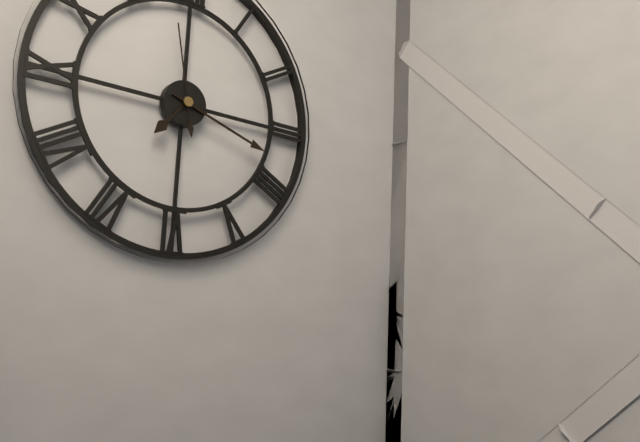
7:18:58
